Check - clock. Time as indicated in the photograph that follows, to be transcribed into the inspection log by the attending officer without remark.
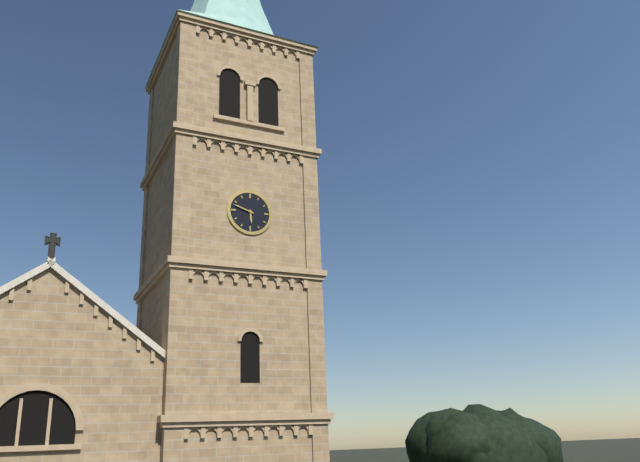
5:48
